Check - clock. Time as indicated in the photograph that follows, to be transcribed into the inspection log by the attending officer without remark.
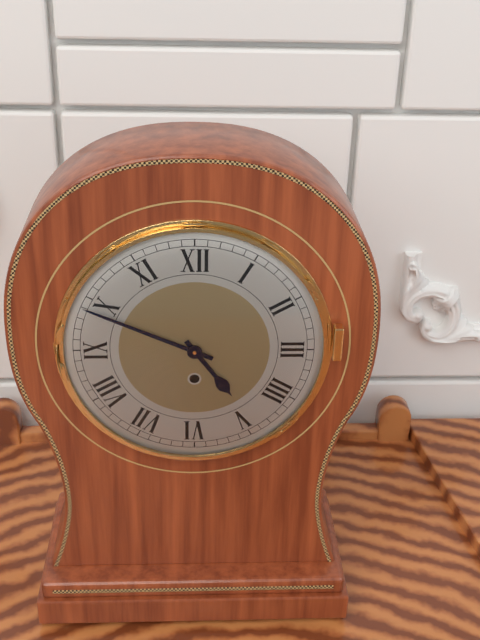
4:49
